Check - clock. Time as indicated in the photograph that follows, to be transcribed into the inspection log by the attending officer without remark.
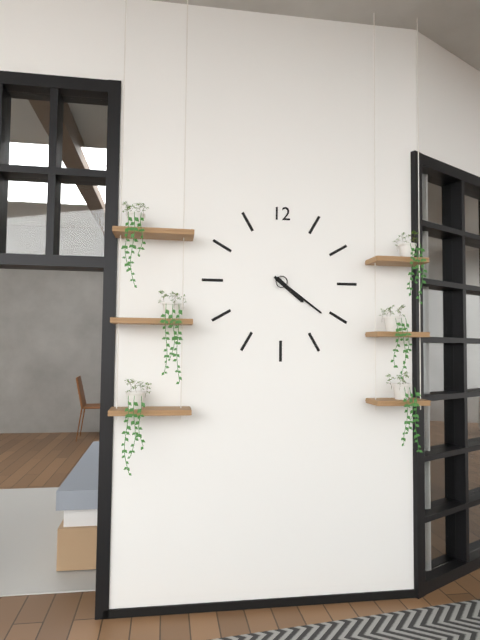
4:21
